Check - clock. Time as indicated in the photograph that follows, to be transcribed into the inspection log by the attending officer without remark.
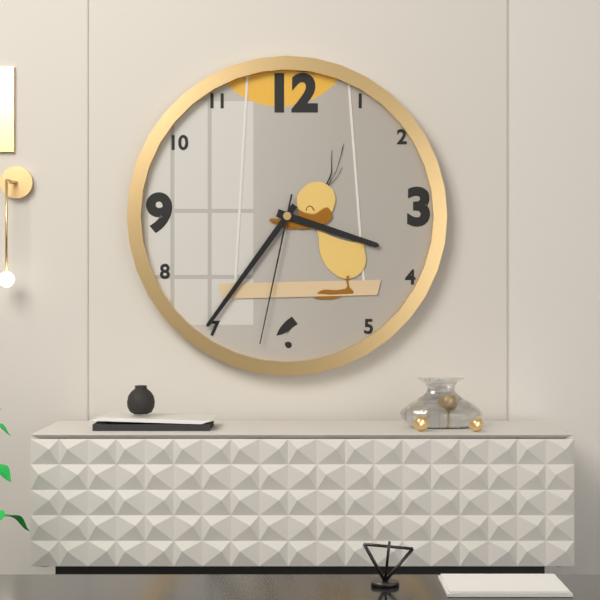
3:36:32
